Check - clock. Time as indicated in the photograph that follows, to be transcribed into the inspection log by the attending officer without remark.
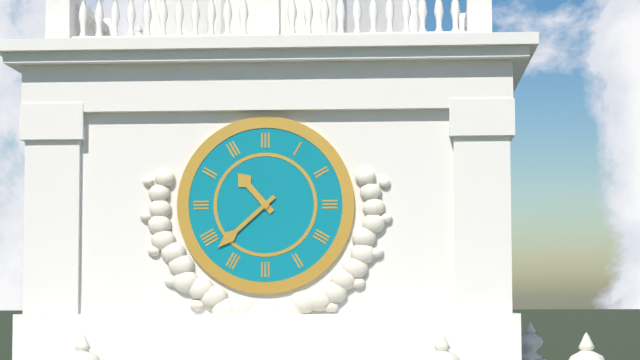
10:38
